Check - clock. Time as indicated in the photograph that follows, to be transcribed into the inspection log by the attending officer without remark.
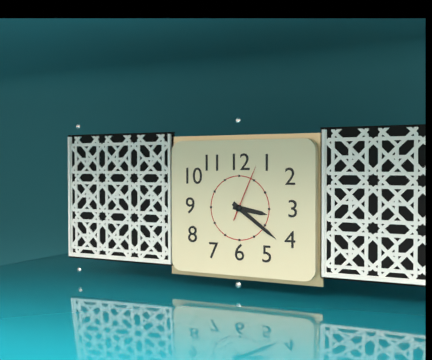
3:21:04
